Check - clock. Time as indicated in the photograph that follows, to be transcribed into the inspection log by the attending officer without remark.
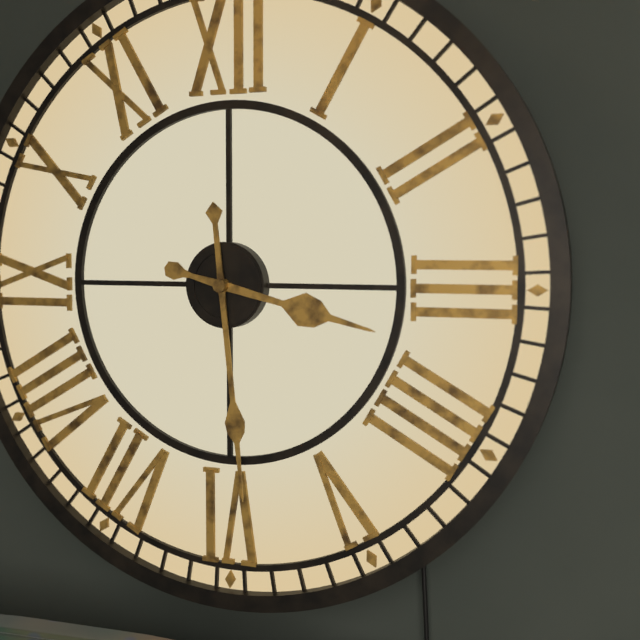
3:29
